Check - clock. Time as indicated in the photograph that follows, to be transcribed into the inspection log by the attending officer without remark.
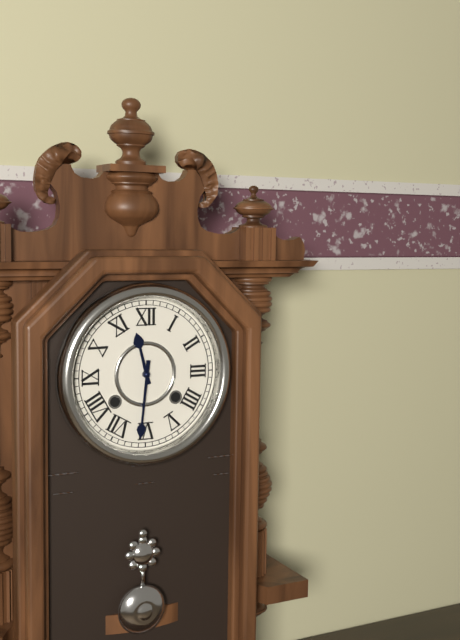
11:31
